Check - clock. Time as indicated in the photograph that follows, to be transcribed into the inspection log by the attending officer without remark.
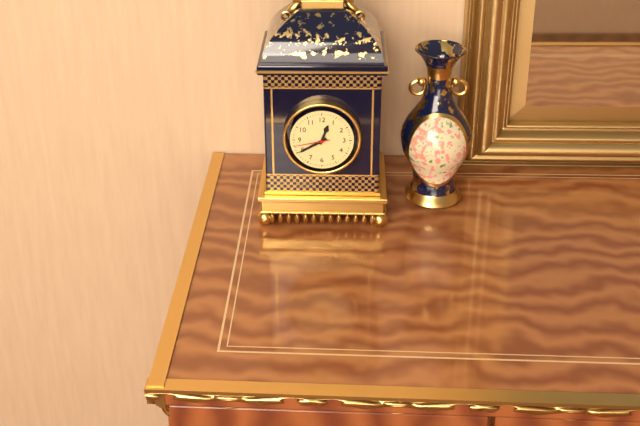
12:40
